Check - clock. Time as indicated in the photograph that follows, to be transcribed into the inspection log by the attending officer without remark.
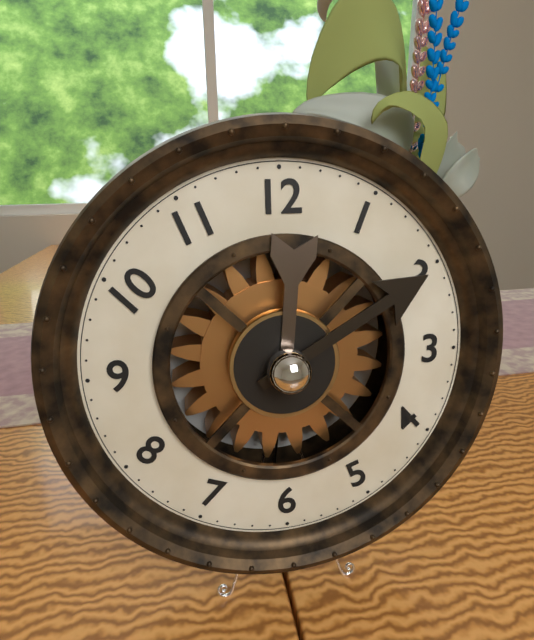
12:10
